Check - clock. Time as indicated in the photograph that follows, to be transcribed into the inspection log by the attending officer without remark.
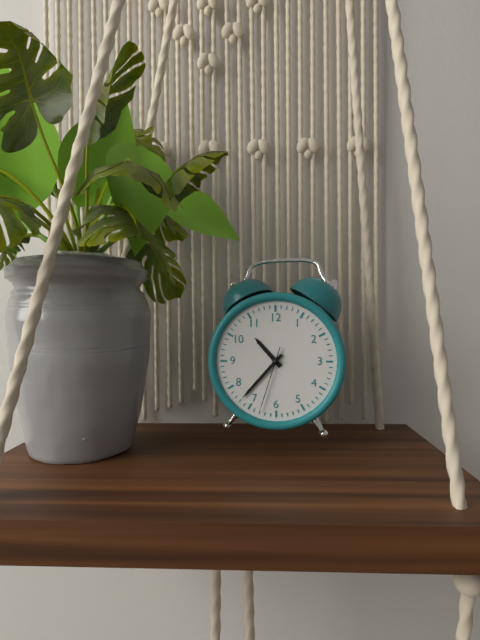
10:37:33
